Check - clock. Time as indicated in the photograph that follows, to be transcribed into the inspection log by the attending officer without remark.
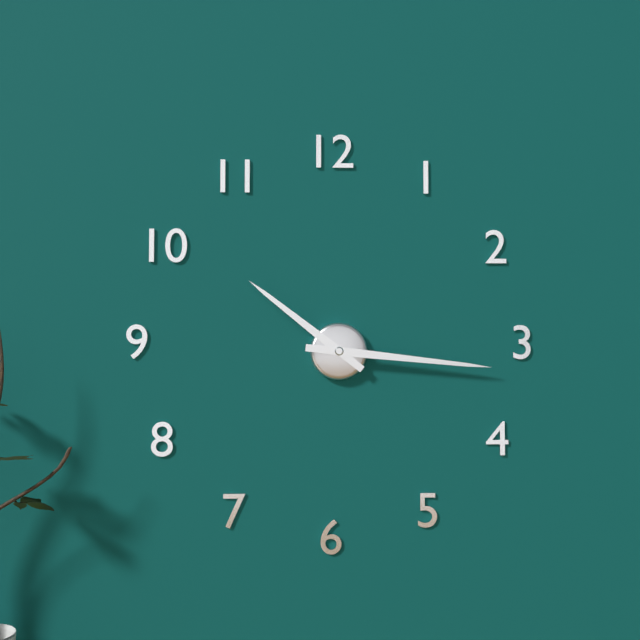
10:16
